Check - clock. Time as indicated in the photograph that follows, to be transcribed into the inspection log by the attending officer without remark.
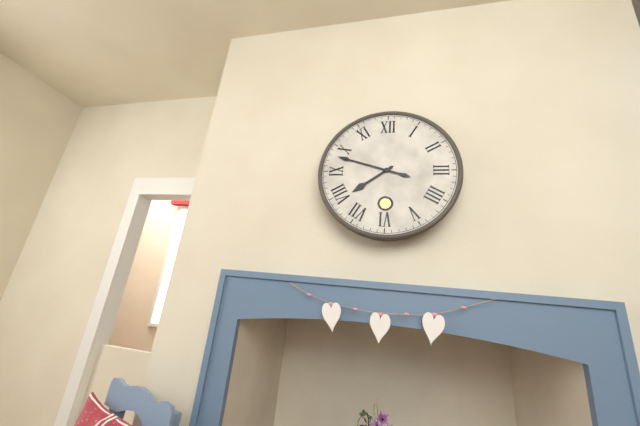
7:48
